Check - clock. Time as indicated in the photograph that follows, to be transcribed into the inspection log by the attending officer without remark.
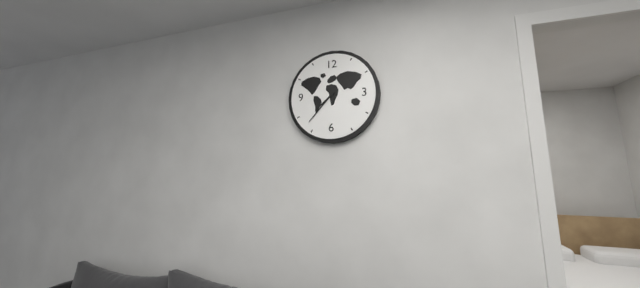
7:37
